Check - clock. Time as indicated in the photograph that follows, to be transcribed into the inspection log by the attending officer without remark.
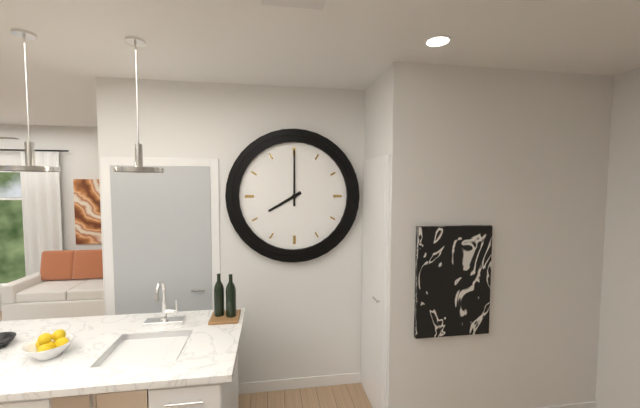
8:00
